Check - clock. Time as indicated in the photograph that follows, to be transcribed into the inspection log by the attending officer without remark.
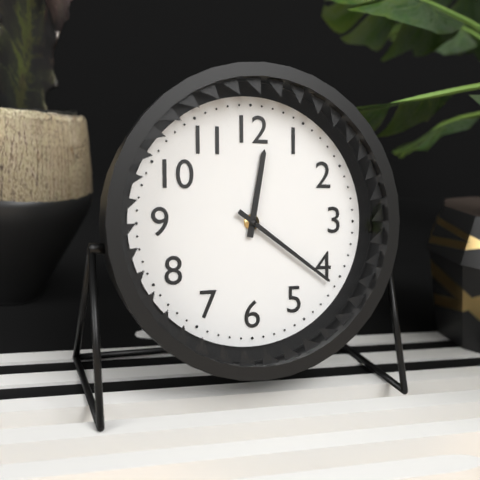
12:21
